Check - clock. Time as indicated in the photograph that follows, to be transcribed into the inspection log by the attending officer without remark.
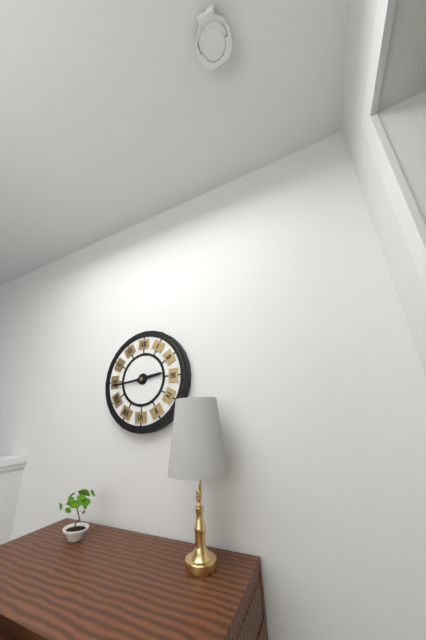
2:44
